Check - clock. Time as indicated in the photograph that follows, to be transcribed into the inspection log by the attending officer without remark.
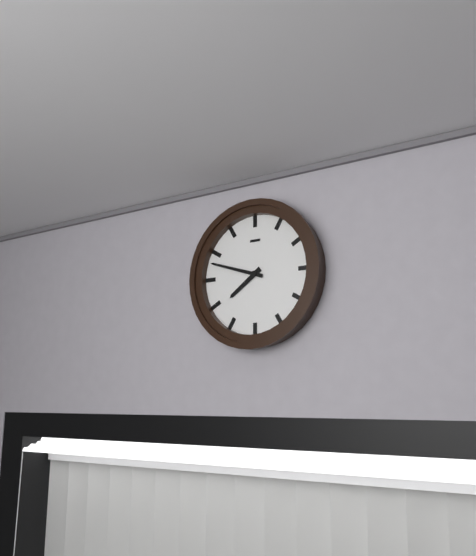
7:48
